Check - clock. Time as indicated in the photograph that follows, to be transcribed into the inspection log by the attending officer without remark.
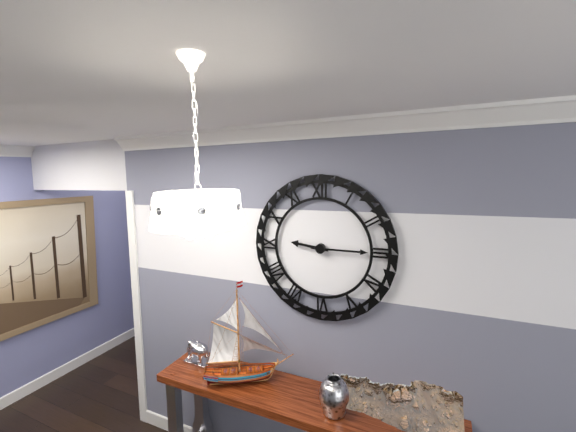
9:15
